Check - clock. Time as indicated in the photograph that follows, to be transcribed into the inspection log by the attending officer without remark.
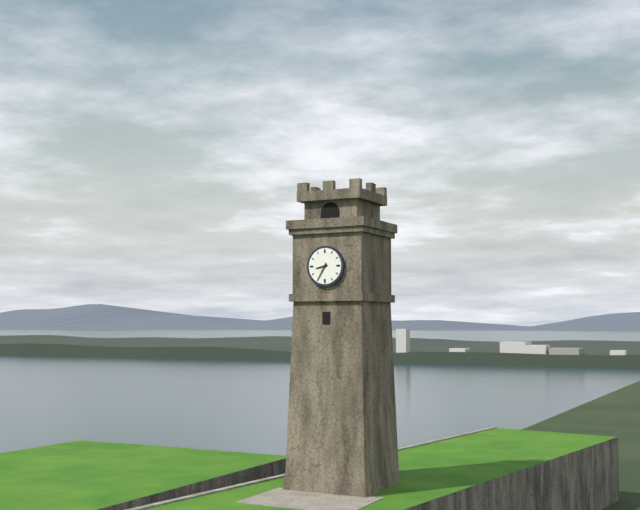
8:35
